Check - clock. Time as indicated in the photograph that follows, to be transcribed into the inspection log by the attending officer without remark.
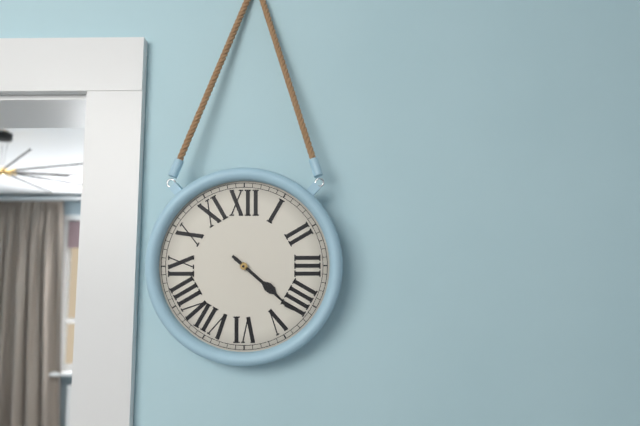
4:22
